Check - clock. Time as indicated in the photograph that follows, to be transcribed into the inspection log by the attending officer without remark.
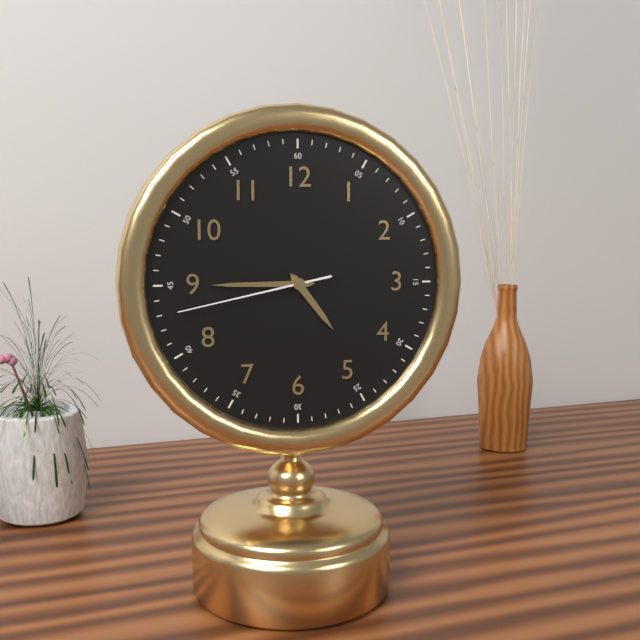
4:45:43
